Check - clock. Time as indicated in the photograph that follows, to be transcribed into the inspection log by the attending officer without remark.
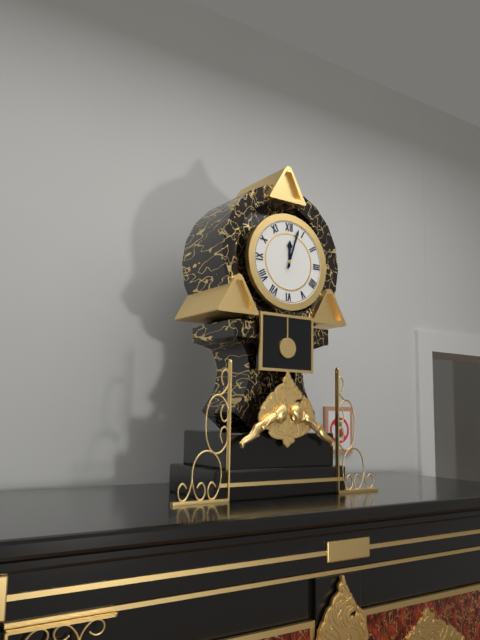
12:03
